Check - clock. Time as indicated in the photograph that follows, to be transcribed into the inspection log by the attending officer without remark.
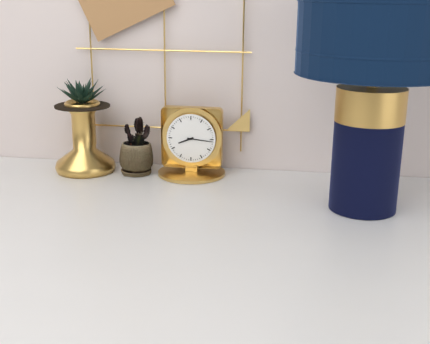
8:16
